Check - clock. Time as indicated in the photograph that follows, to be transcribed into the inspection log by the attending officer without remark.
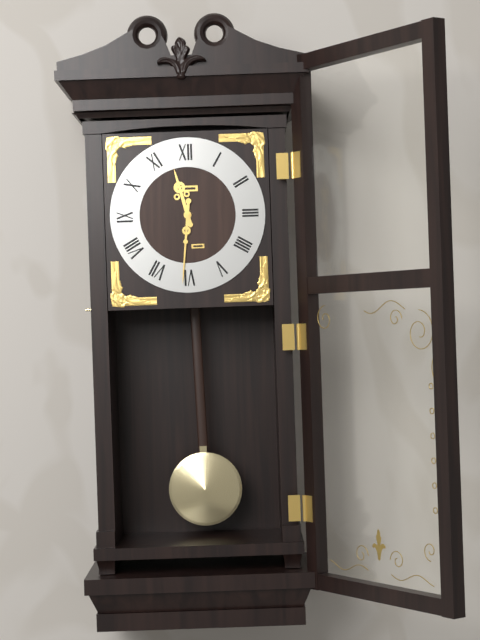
11:31
